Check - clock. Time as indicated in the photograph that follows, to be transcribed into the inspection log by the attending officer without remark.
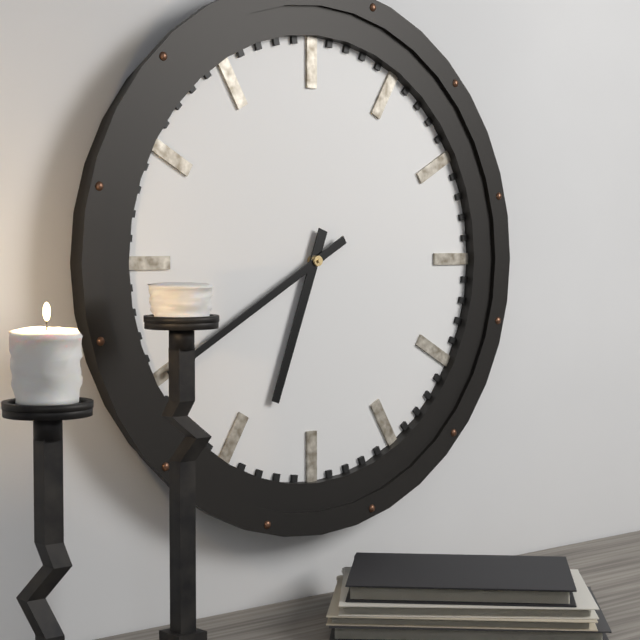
6:40
